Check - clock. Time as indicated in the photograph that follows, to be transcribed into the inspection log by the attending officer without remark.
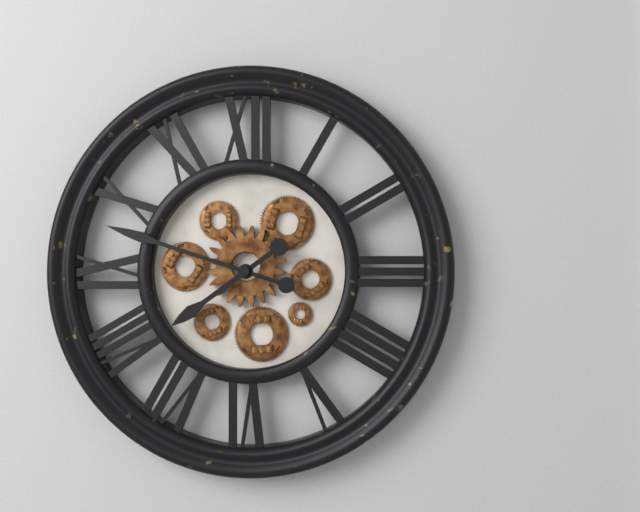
7:48
